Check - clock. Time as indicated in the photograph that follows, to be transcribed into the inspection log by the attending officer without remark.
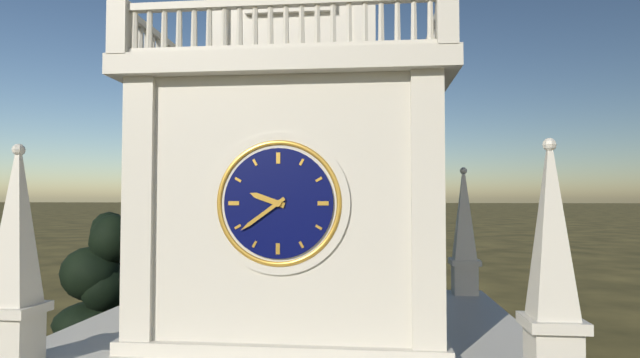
9:39
